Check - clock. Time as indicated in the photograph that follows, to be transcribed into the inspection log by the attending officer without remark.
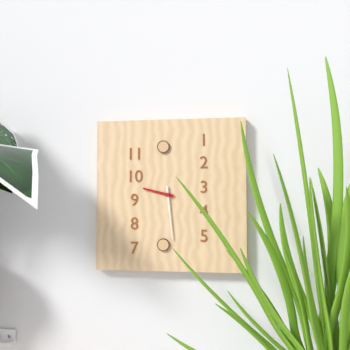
9:29
